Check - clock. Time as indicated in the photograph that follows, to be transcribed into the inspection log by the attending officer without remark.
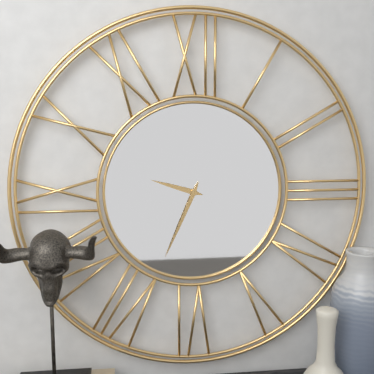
9:34
